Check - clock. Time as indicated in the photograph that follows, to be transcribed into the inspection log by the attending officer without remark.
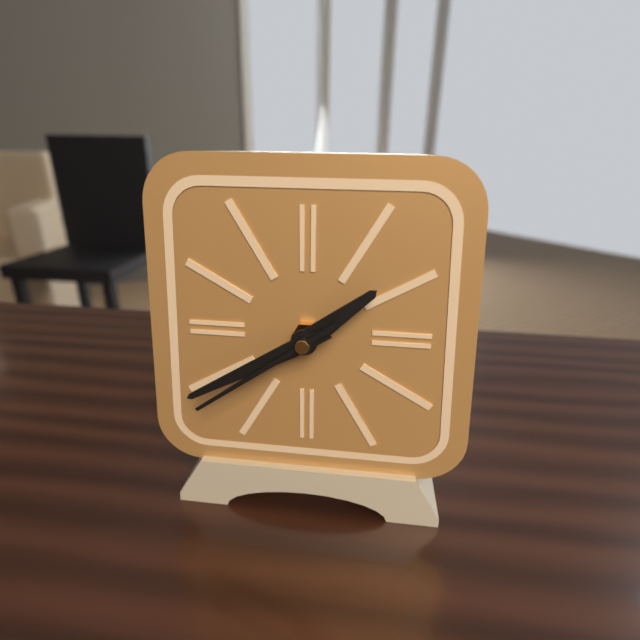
1:40:39
